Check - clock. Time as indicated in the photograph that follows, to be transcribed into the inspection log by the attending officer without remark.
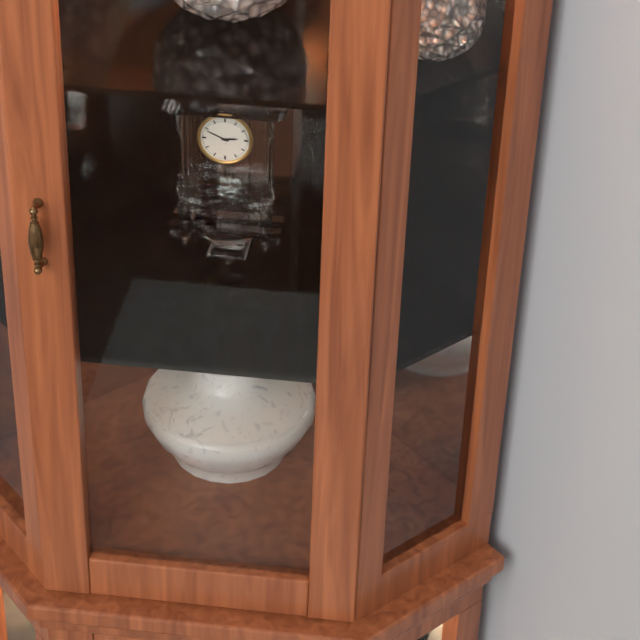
2:49
